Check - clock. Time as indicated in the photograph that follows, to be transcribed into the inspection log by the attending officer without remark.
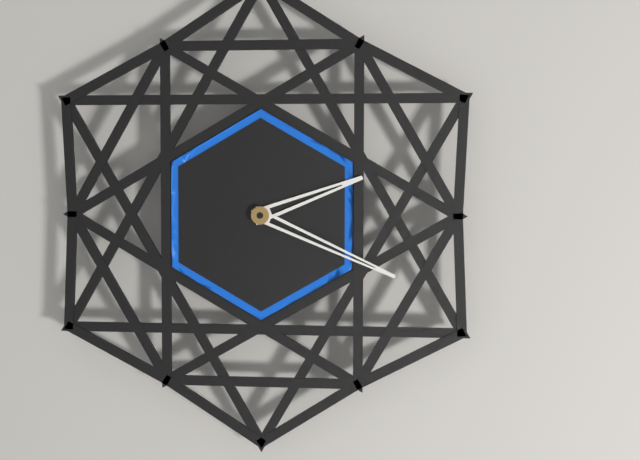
2:19
